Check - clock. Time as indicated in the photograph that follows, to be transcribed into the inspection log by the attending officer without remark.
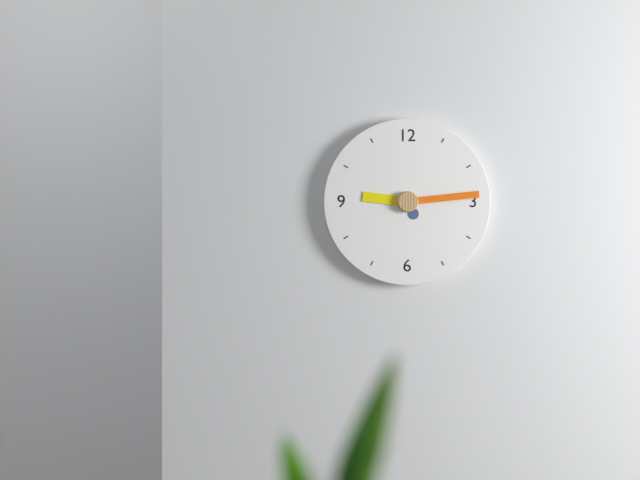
9:14
